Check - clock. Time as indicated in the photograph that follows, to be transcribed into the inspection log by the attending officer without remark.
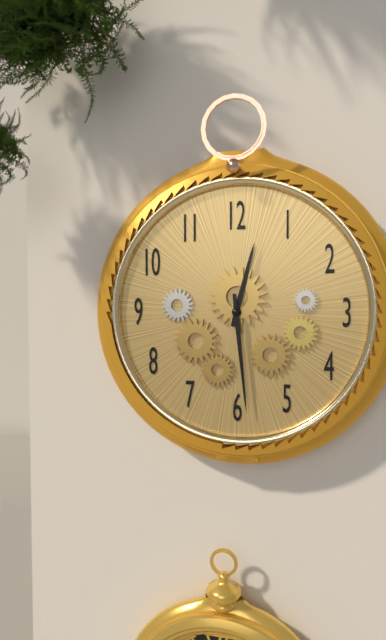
12:29
